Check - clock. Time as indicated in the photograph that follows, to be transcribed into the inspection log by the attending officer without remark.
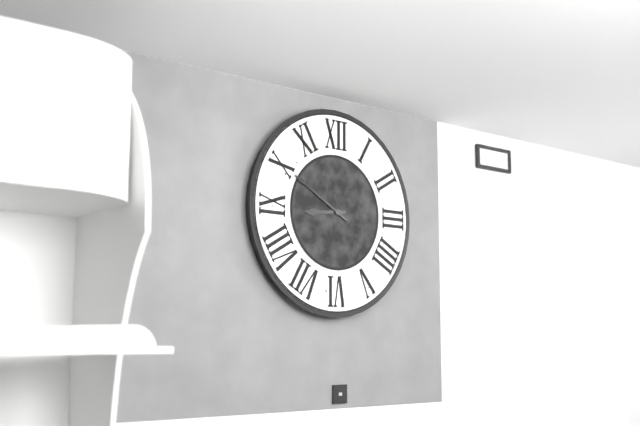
8:50
